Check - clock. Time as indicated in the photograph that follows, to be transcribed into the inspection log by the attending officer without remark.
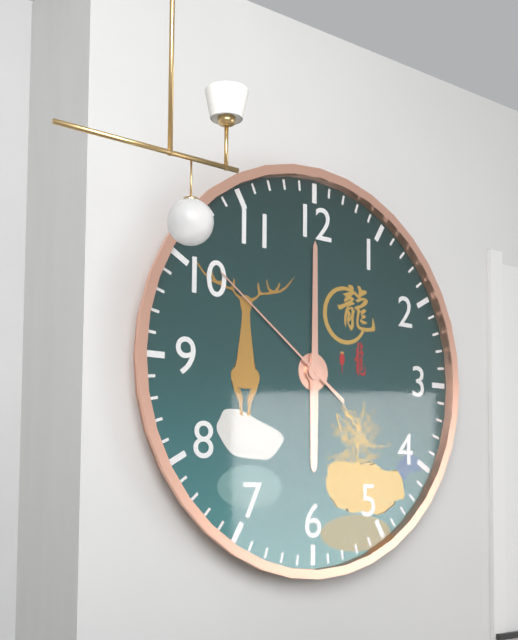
6:00:51
